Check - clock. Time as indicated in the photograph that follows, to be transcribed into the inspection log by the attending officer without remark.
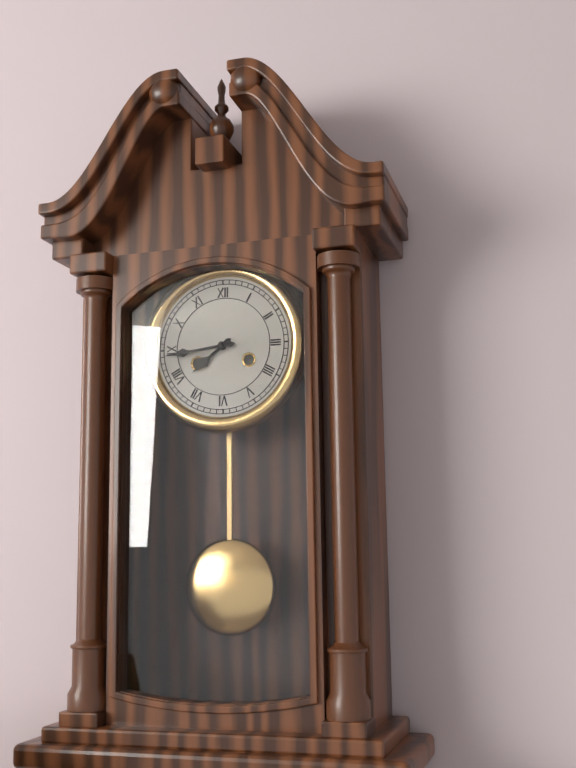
7:44
